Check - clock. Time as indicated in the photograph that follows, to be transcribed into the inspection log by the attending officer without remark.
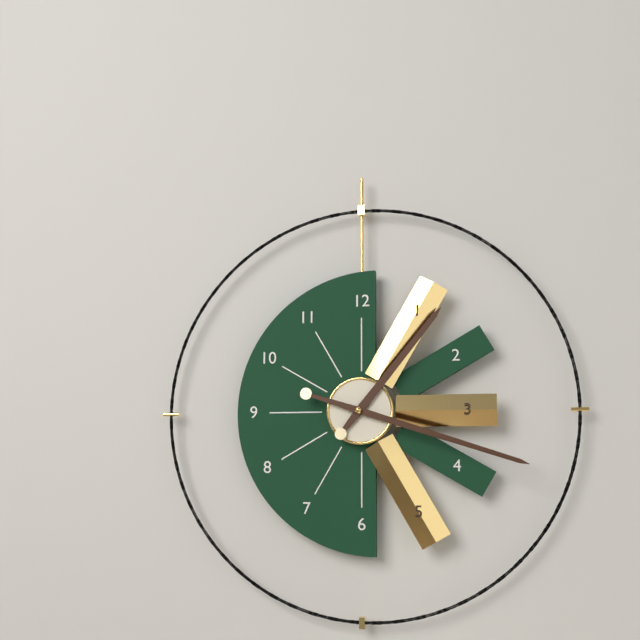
1:18
